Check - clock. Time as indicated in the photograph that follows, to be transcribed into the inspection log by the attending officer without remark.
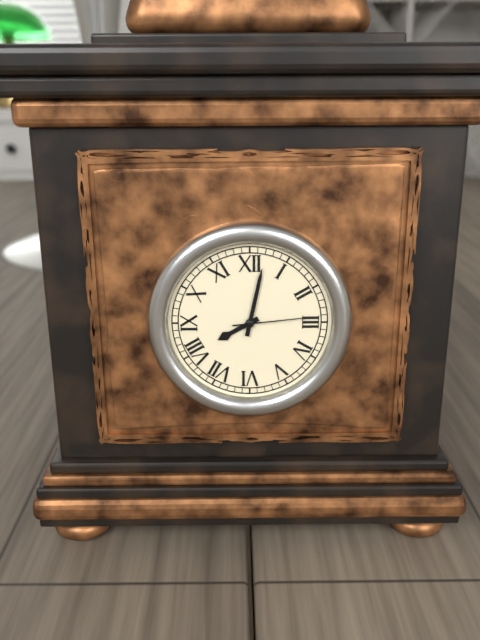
8:02:14
